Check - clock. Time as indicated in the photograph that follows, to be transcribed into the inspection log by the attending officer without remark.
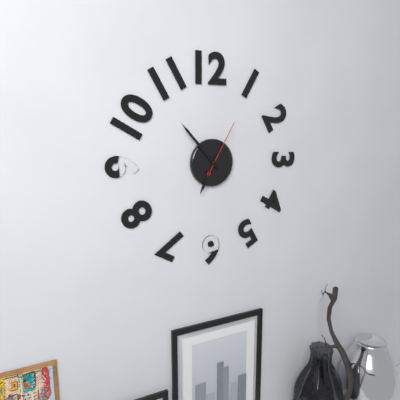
6:53:05
